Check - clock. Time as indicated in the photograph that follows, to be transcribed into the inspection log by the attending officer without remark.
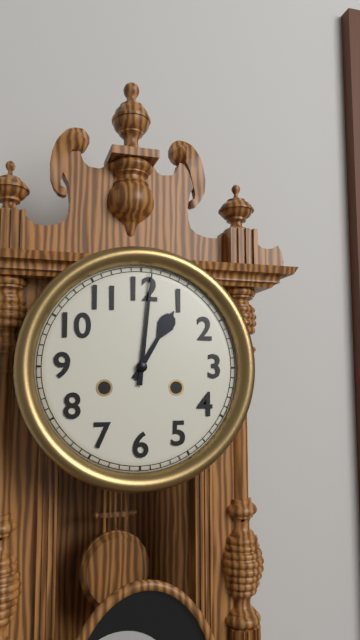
1:01
